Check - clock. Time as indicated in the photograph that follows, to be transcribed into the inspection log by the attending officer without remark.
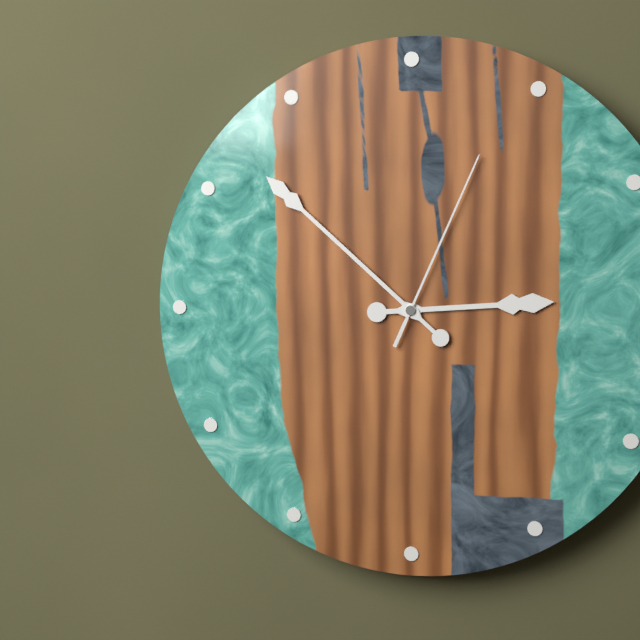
2:52:04
